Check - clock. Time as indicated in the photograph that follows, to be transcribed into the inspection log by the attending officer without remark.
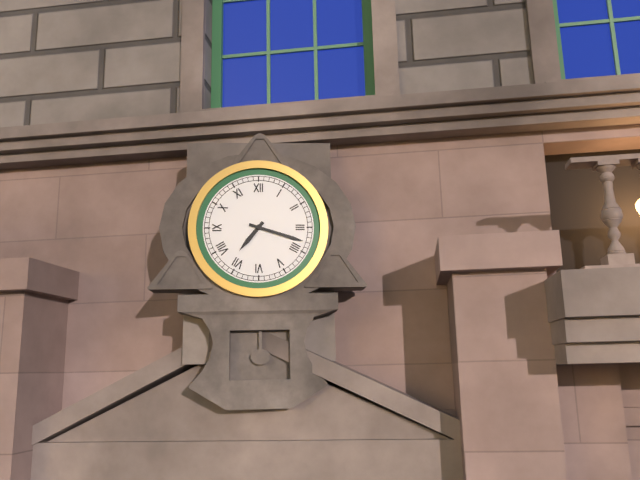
7:18
